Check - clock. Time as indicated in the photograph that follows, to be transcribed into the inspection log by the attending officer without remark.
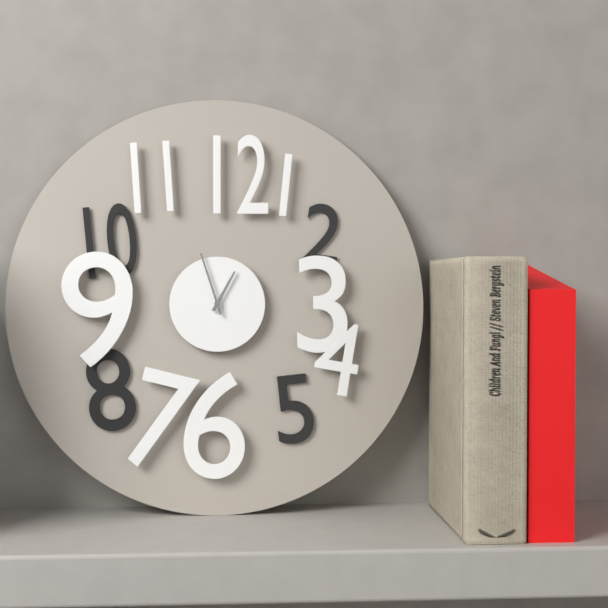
12:57
